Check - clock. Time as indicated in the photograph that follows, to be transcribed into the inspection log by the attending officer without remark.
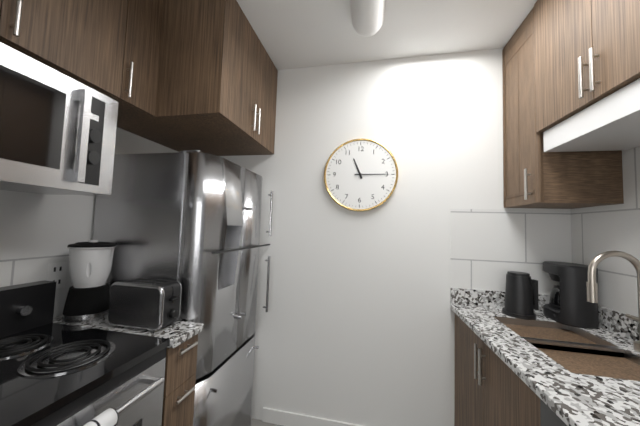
11:15
